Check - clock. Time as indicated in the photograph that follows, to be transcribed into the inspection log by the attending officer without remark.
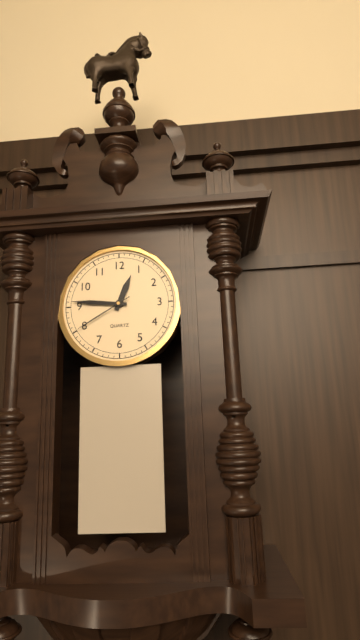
12:46:40
